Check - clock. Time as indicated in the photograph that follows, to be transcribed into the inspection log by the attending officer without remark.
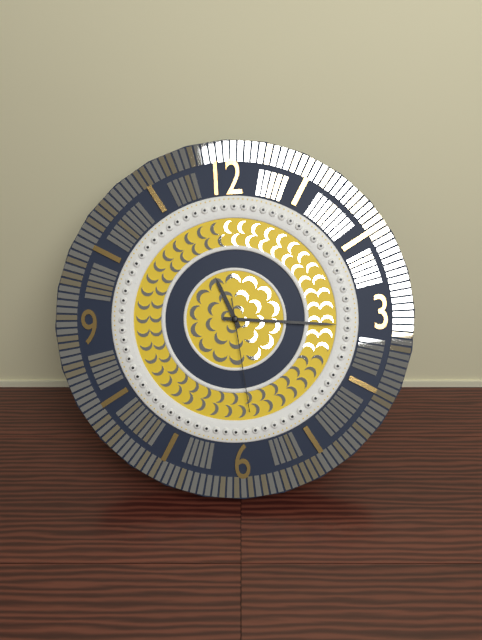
11:16:29
